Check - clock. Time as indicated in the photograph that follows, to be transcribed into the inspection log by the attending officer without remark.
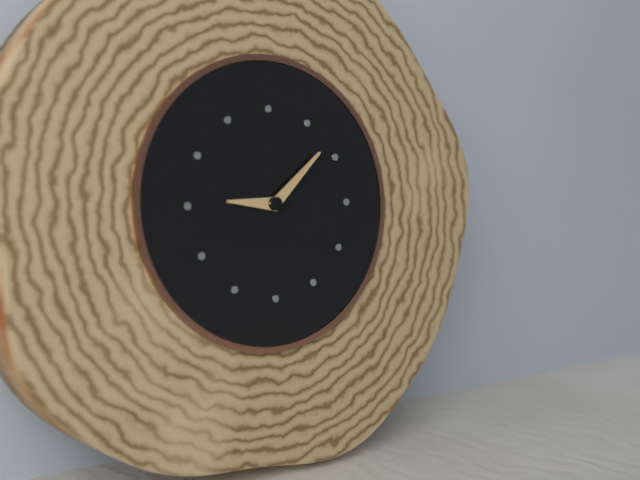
9:08
